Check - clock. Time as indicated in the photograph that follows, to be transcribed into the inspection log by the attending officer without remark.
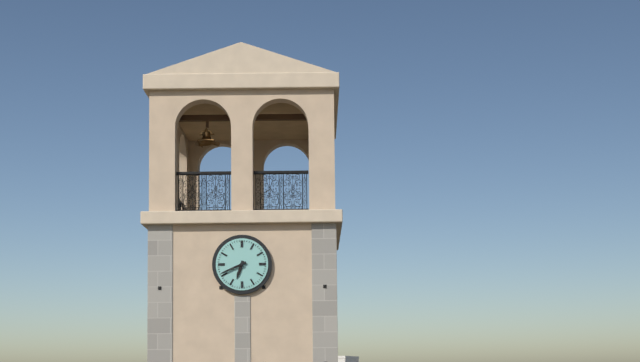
6:41
